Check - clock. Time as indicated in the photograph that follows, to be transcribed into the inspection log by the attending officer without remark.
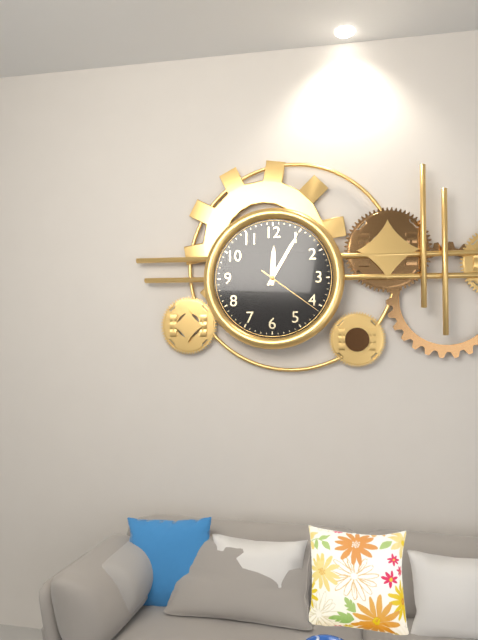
12:05:21
